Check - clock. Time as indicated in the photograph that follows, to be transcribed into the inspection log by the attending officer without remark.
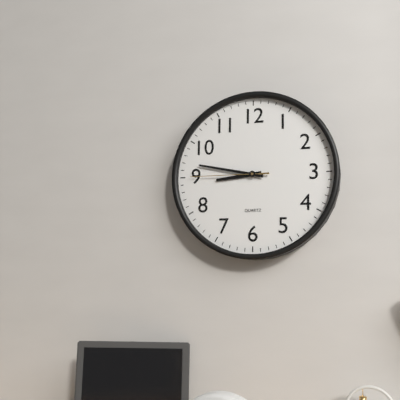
8:47:45
